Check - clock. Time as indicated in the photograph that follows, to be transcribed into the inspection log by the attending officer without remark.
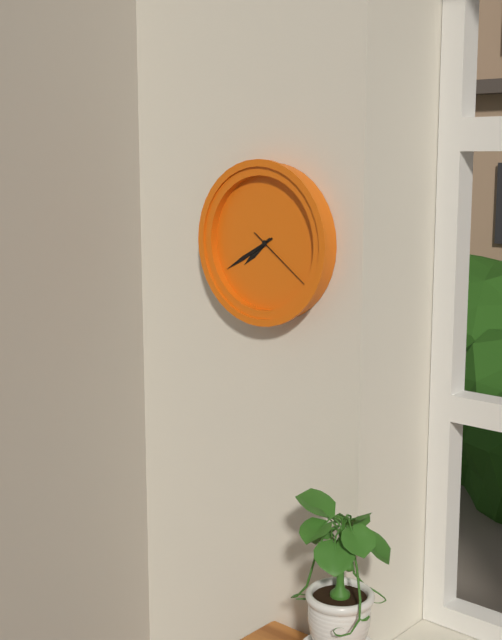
7:40:21
